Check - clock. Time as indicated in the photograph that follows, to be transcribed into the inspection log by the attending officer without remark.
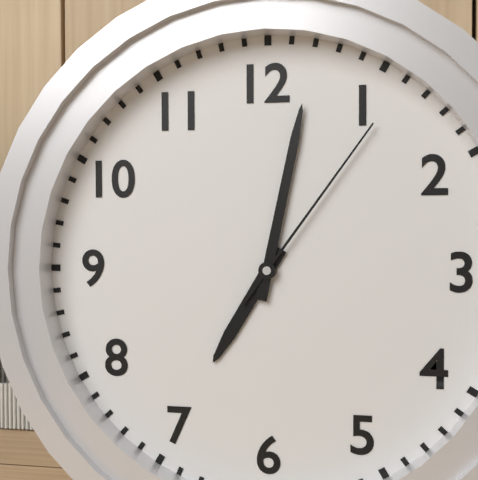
7:02:06
